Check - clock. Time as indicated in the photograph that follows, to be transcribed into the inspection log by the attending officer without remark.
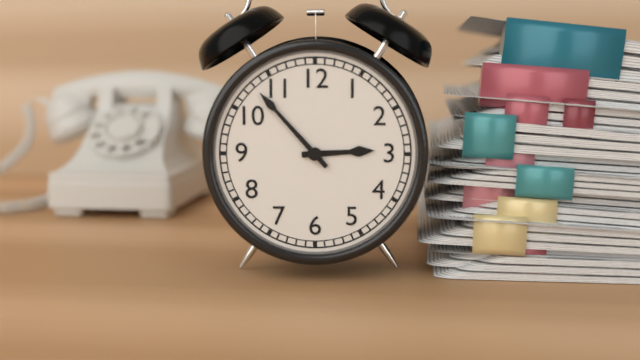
2:53
